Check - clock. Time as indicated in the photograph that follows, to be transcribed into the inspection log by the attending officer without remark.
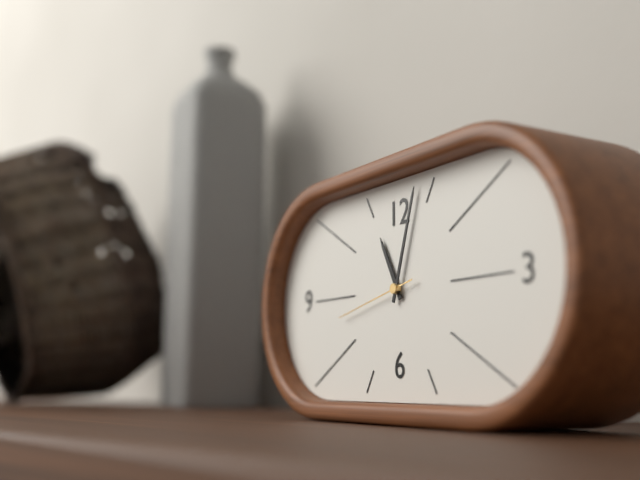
11:03:43
